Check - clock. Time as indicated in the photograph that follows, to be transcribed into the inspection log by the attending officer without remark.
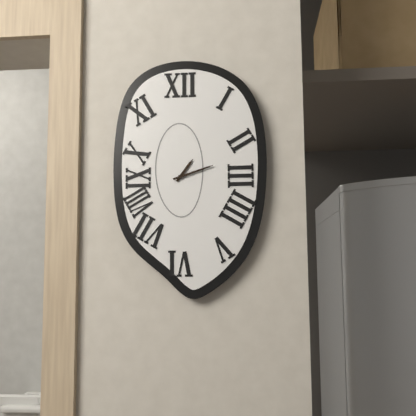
1:12
